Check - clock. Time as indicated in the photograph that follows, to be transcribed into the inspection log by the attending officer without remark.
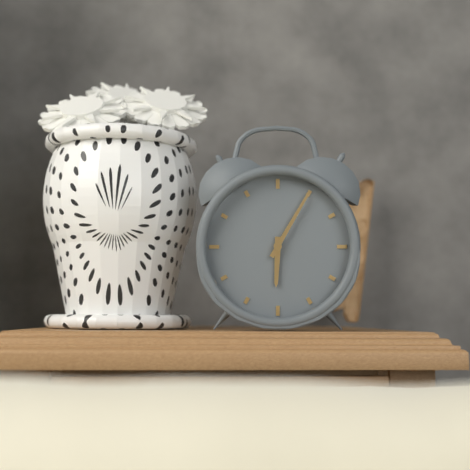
6:05
